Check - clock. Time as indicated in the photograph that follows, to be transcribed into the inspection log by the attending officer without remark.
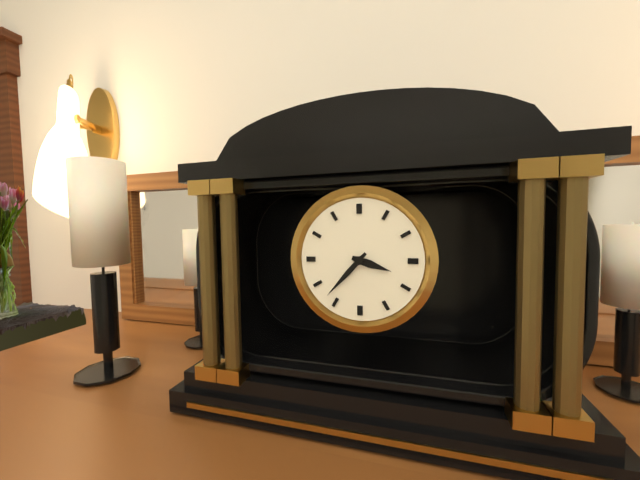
3:37
